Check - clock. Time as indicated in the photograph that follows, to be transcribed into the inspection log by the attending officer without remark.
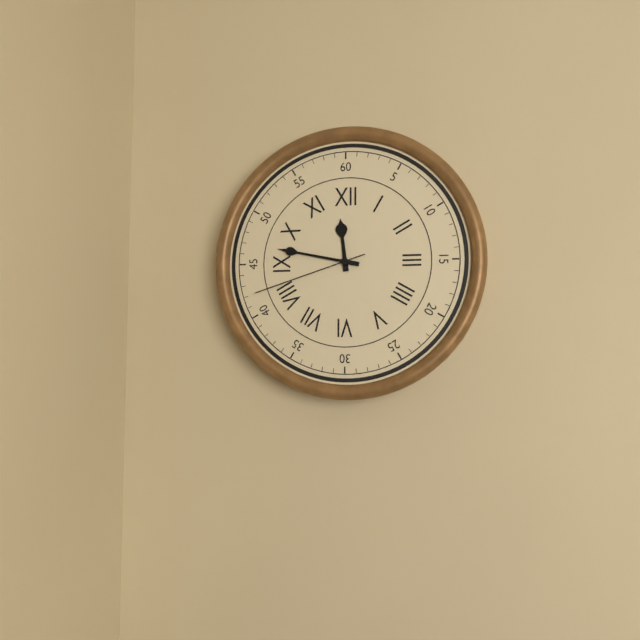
11:47:42
